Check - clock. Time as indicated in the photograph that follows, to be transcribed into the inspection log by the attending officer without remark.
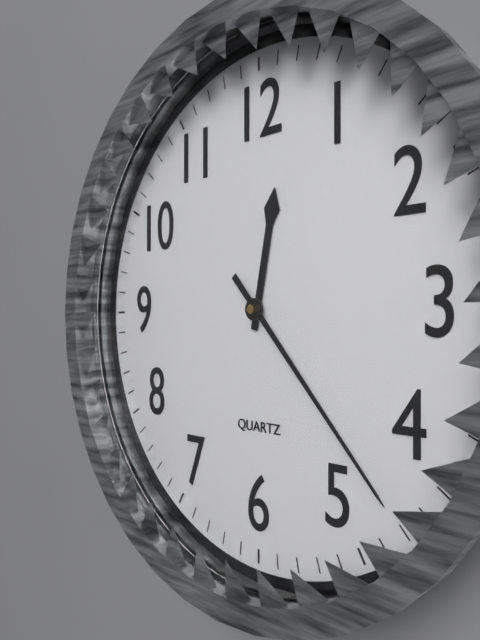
12:23
